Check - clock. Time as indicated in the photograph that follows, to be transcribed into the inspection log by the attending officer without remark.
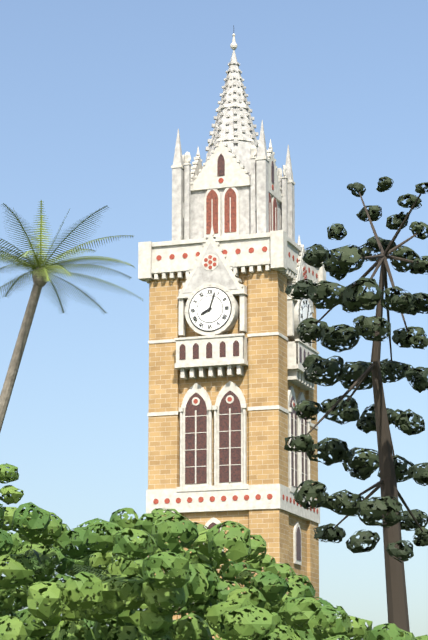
8:03
